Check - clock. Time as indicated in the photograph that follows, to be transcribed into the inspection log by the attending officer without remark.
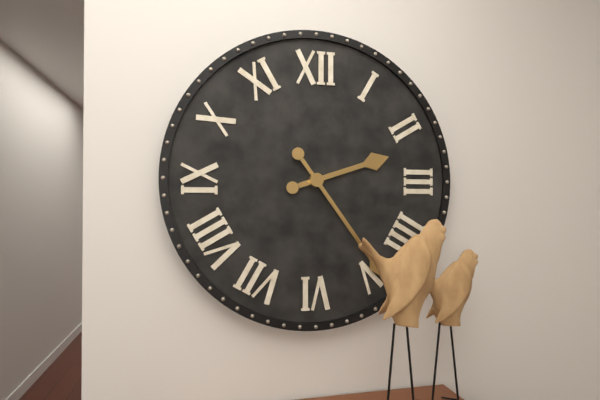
2:24
